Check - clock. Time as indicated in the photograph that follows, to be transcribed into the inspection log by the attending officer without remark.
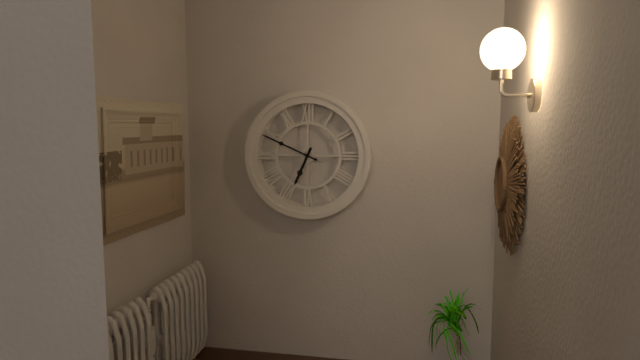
6:49
